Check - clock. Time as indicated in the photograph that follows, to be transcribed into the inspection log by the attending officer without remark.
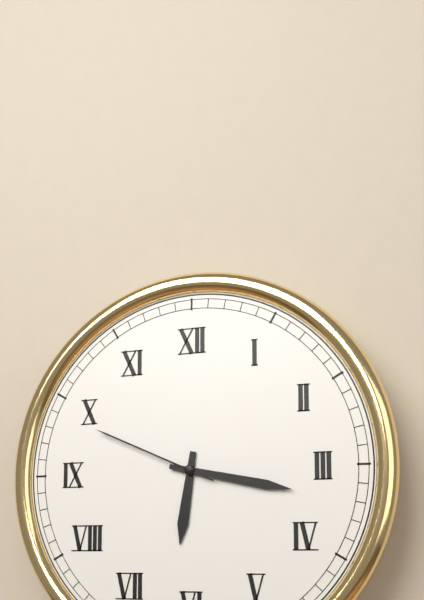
6:17:49
